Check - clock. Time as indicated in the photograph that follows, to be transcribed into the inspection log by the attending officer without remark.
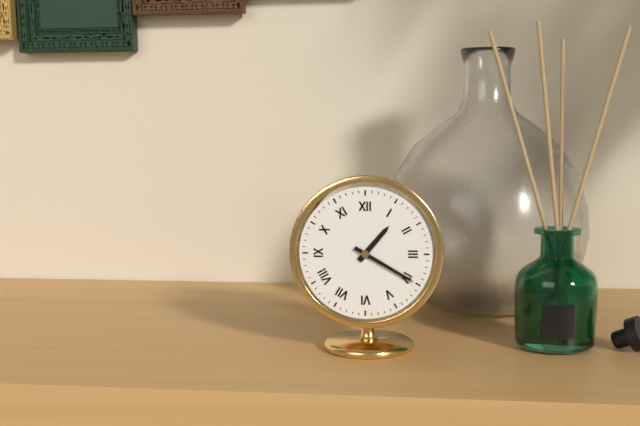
1:20
